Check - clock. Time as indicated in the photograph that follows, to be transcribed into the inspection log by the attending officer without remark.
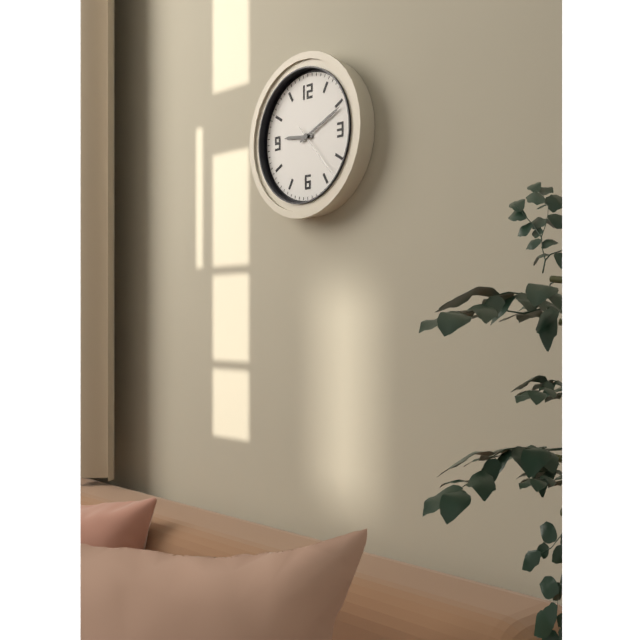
9:11:23
